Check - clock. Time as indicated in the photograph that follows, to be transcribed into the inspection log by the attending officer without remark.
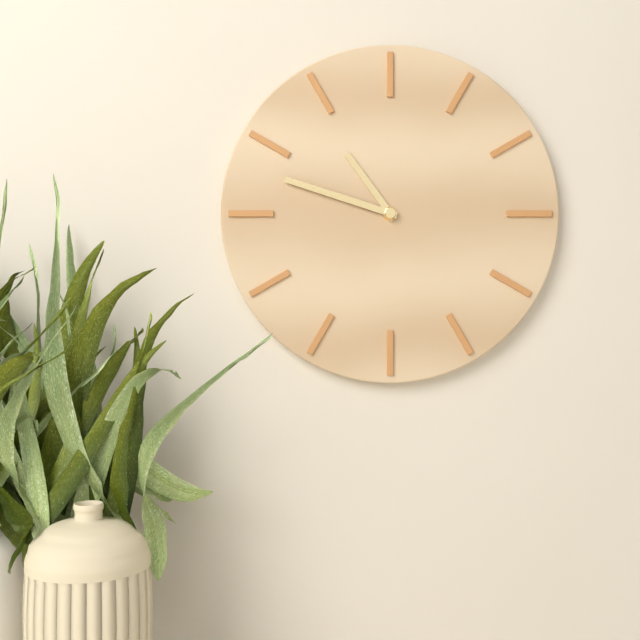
10:48
